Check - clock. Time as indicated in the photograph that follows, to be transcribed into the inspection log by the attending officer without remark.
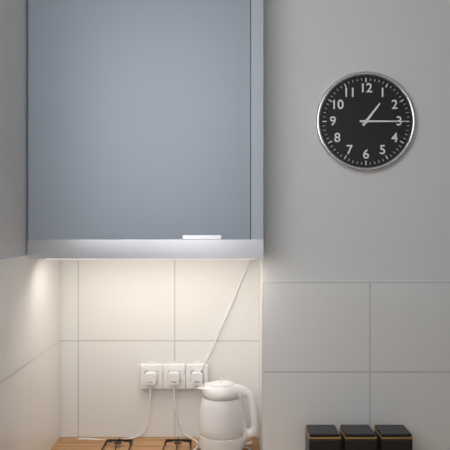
1:15
